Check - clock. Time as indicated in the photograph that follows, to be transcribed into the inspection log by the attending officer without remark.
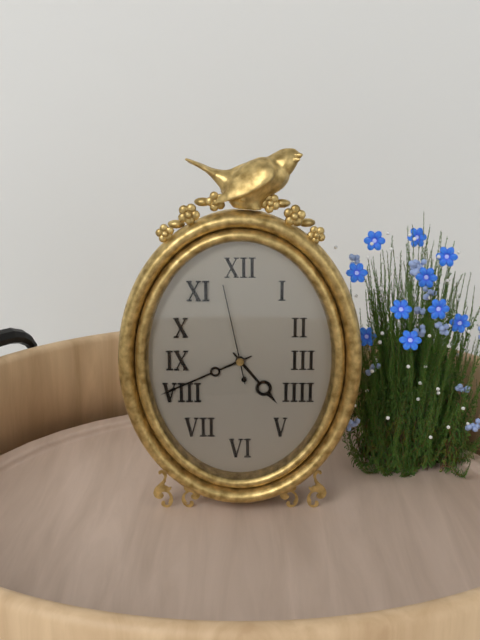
4:41:58
